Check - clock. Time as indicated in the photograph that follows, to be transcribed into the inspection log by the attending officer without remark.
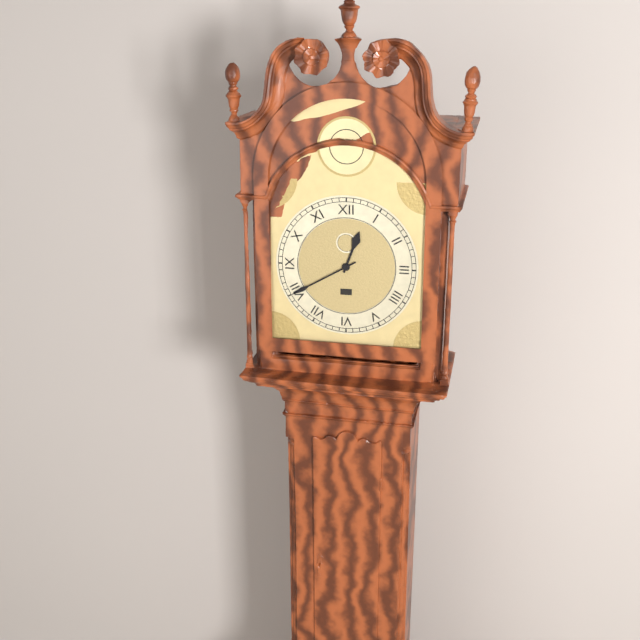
12:40
